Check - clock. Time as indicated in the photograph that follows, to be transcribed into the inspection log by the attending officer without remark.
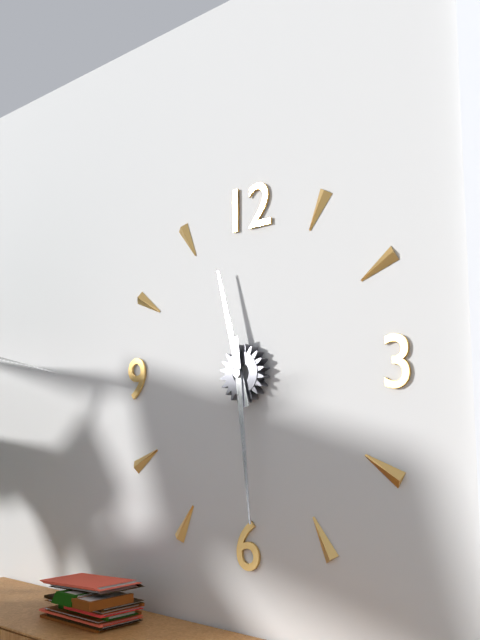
11:29
